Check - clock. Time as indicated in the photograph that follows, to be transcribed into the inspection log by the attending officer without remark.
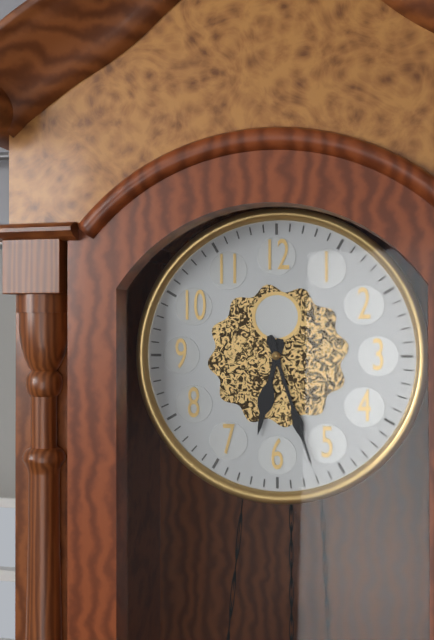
6:27
